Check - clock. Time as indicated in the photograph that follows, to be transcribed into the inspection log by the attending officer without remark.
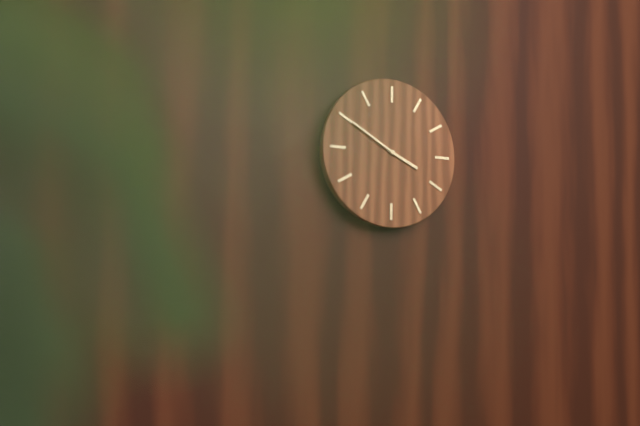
3:50
